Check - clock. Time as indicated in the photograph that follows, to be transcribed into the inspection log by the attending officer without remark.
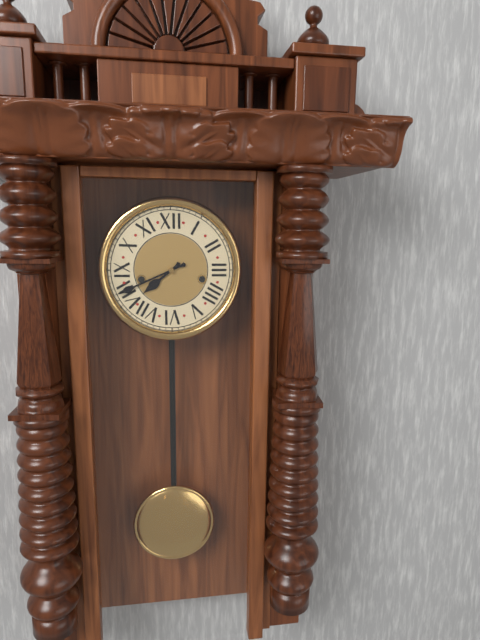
7:41
